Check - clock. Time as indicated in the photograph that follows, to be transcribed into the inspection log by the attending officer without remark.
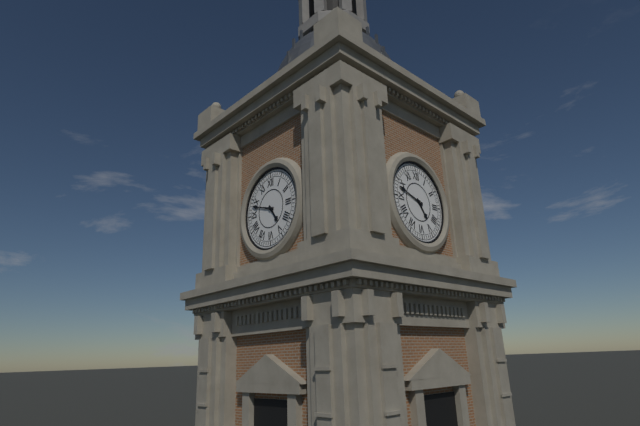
4:48
